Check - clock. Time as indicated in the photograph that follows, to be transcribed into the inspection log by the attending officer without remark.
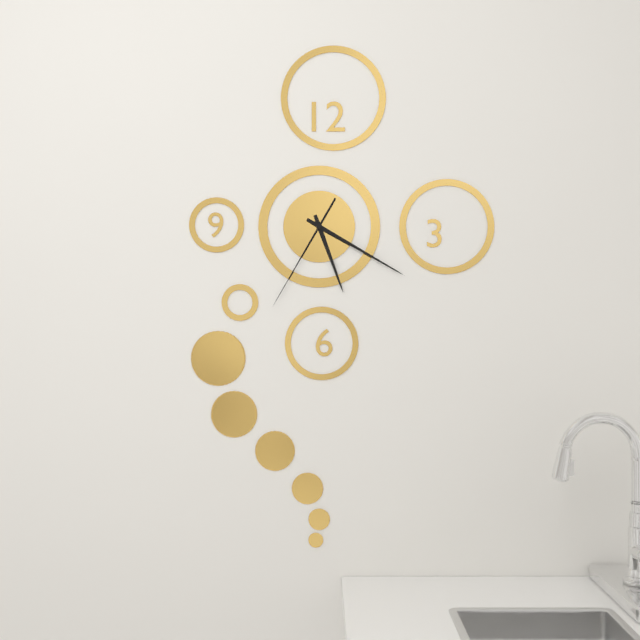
5:20:35
